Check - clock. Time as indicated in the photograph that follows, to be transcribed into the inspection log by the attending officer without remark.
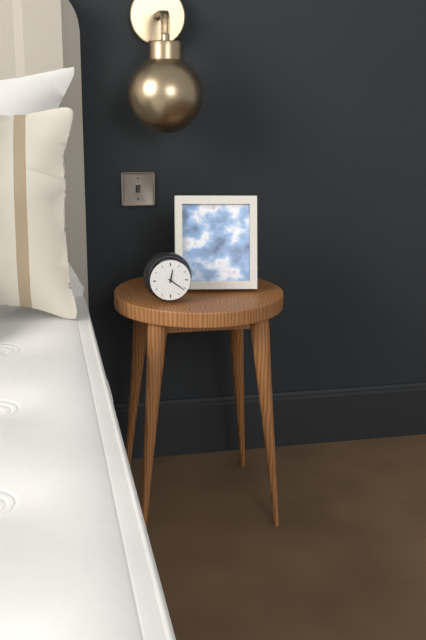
12:21
